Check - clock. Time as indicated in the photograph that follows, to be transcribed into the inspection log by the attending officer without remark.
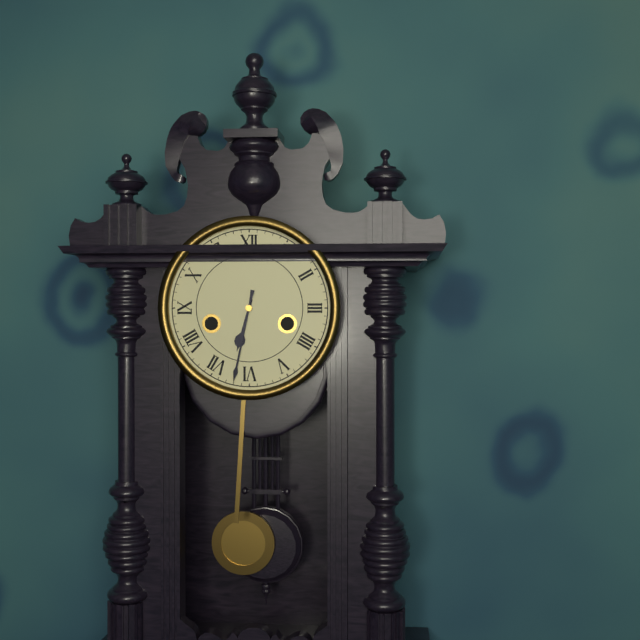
6:32
